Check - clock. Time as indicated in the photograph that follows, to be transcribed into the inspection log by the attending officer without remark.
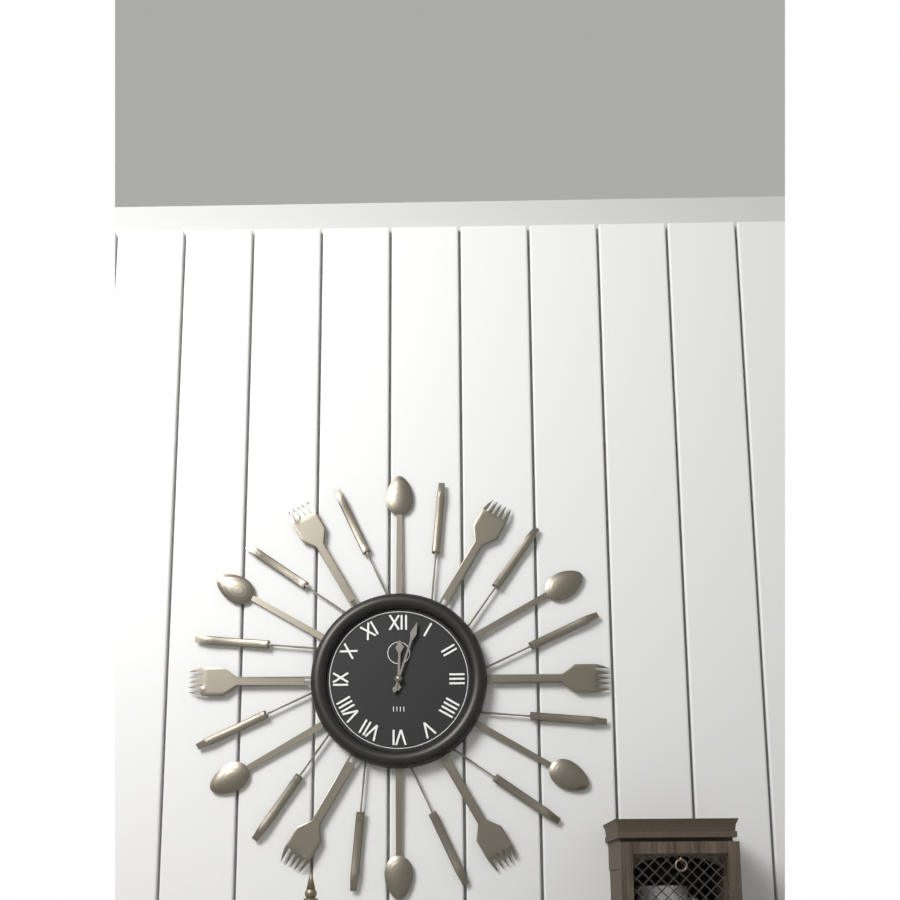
12:03
